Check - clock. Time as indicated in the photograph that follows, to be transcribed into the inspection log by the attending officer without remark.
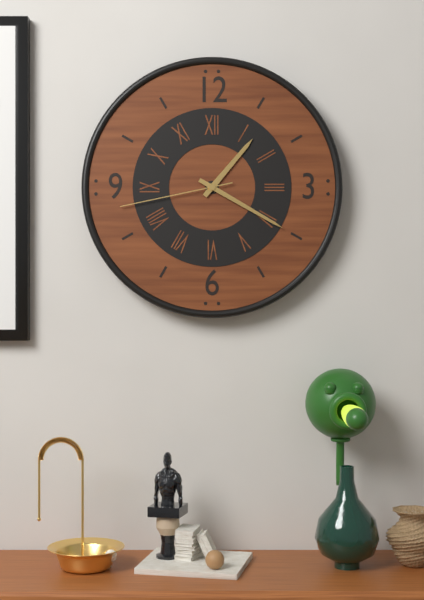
1:20:43
